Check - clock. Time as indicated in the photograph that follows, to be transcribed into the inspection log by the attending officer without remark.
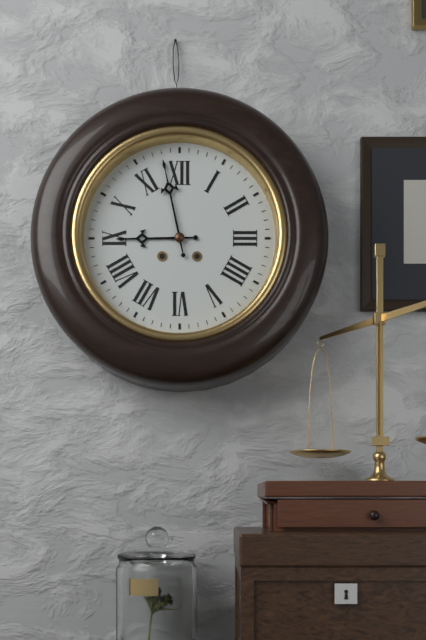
8:58
